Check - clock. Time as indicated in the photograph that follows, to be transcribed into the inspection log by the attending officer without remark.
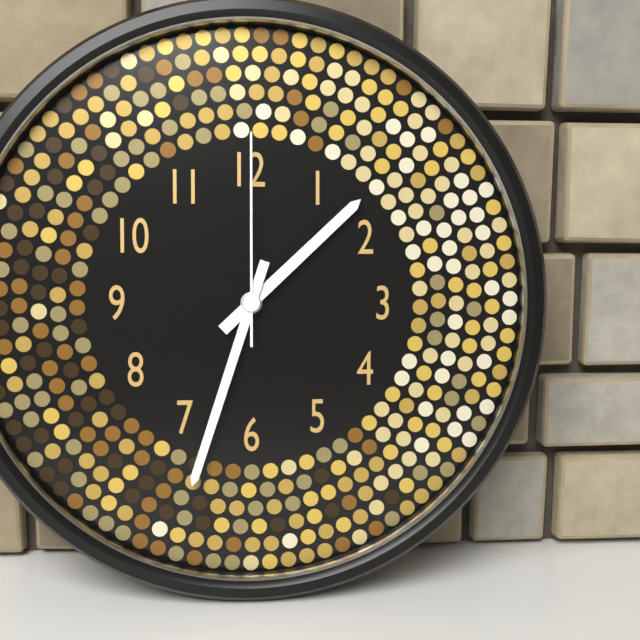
1:33:00
